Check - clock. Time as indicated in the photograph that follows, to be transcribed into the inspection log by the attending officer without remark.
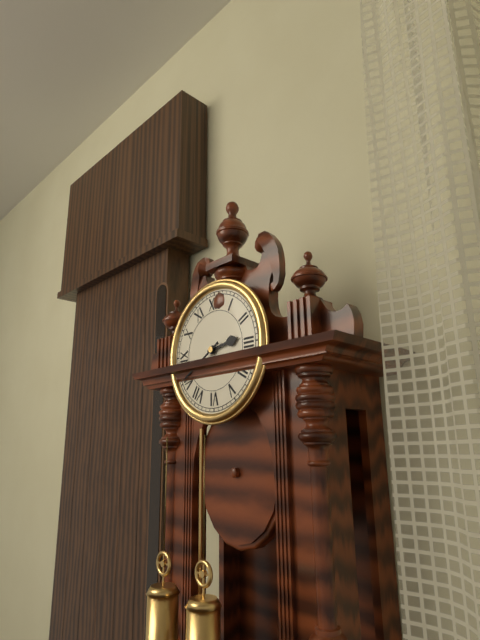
2:40
